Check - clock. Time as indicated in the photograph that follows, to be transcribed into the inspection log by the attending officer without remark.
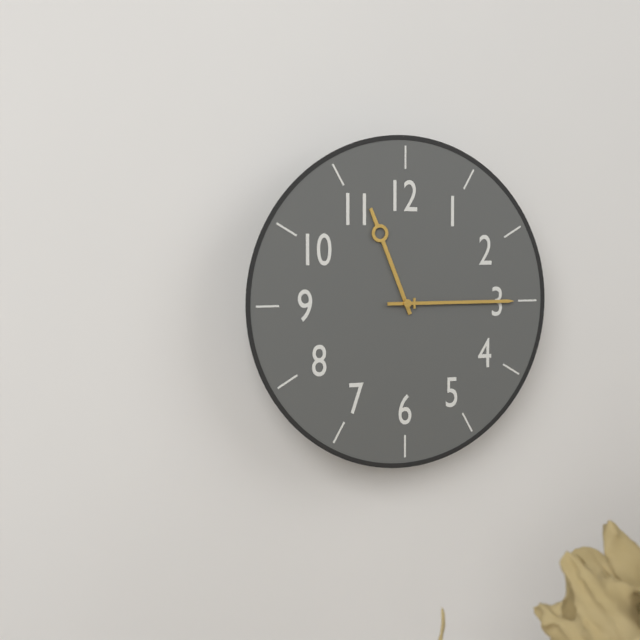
11:15
